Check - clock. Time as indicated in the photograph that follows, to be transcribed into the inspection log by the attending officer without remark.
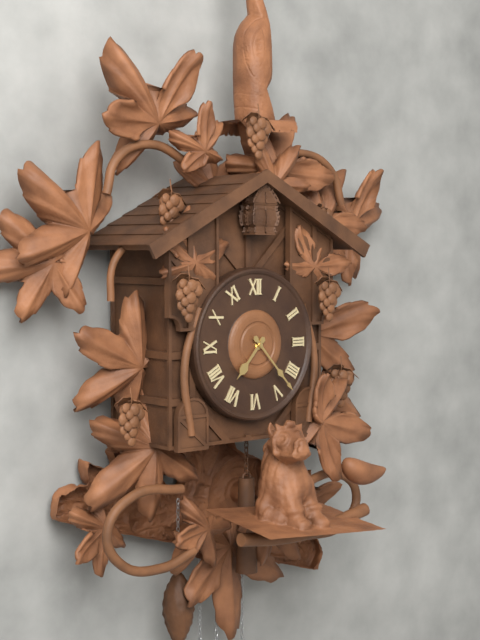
7:23
